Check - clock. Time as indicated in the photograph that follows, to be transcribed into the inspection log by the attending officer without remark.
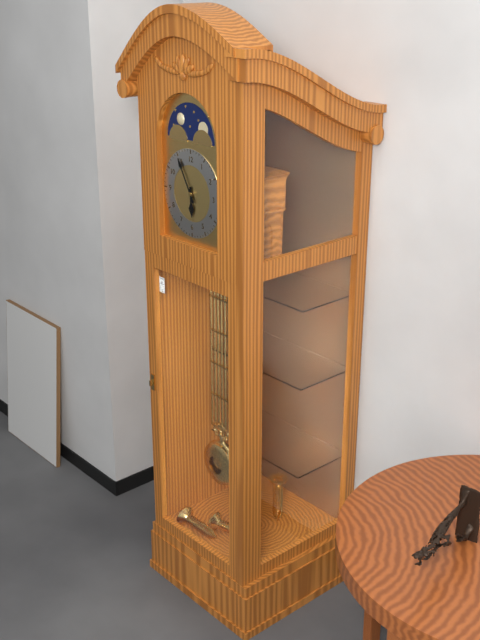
5:55
